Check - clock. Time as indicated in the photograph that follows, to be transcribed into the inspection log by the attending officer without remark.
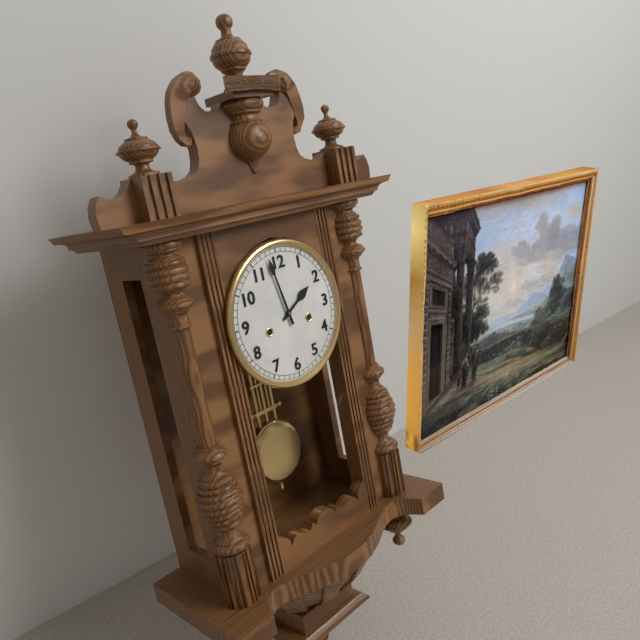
1:58
